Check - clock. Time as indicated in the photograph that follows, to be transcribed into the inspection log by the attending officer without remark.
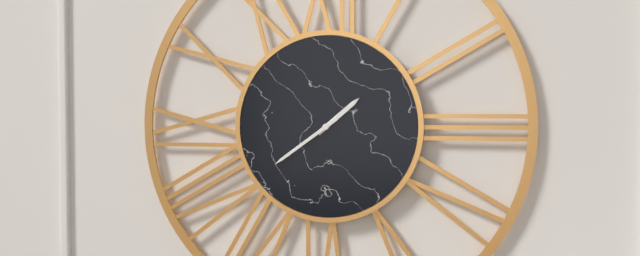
1:39
